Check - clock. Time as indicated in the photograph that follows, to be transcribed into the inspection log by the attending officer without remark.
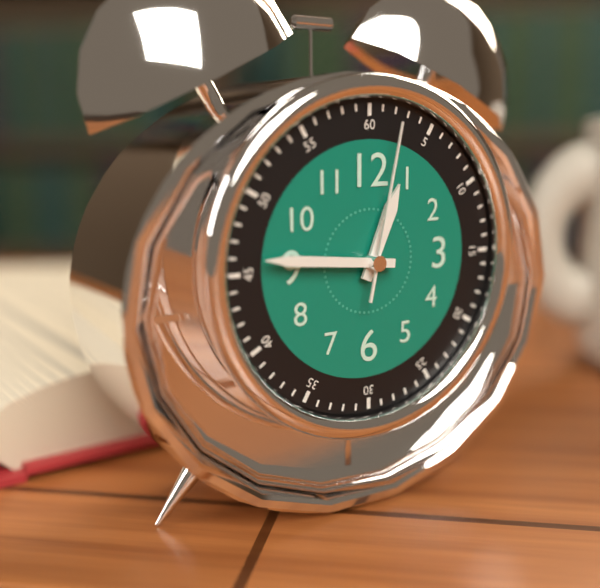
12:46:02
